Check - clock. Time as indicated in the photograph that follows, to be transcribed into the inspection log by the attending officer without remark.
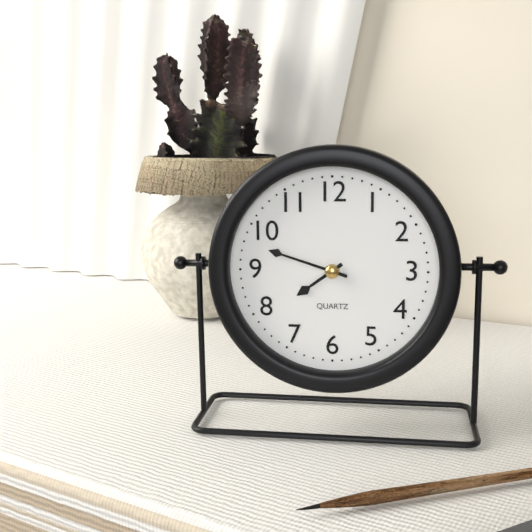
7:48
